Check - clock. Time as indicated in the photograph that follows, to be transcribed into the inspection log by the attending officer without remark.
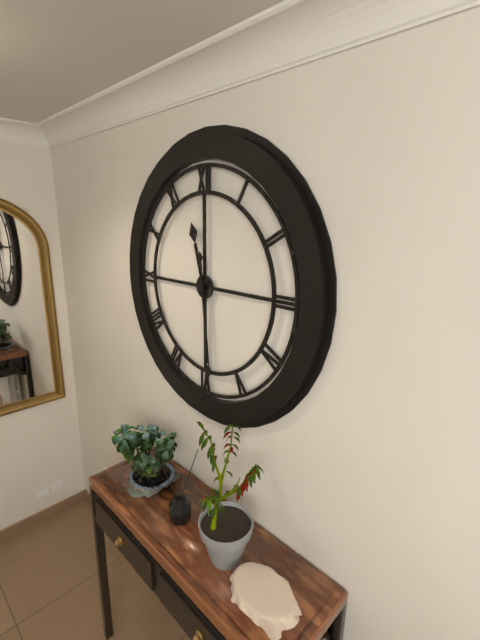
11:29
